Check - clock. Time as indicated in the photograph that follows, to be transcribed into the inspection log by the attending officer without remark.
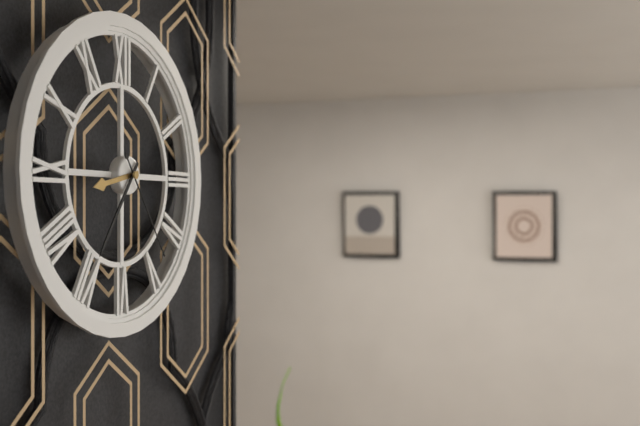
8:36:24
